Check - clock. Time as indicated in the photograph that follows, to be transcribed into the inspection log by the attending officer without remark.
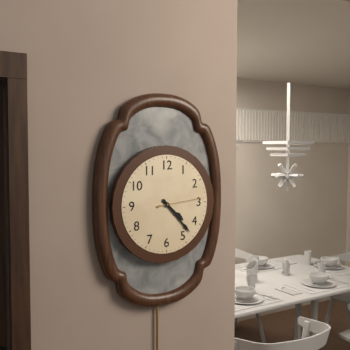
4:23
